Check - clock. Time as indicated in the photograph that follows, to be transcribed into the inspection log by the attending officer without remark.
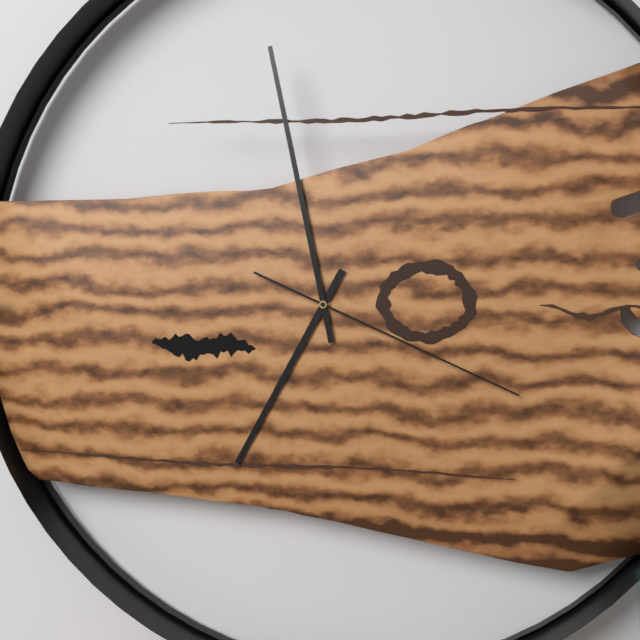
6:58:19
